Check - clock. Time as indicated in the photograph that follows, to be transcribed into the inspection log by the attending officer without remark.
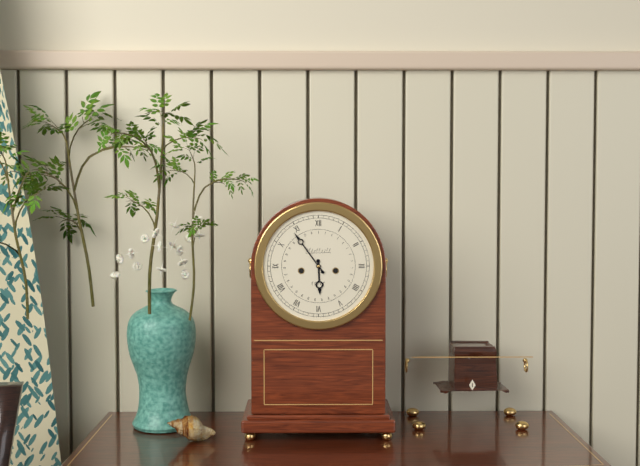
5:54
